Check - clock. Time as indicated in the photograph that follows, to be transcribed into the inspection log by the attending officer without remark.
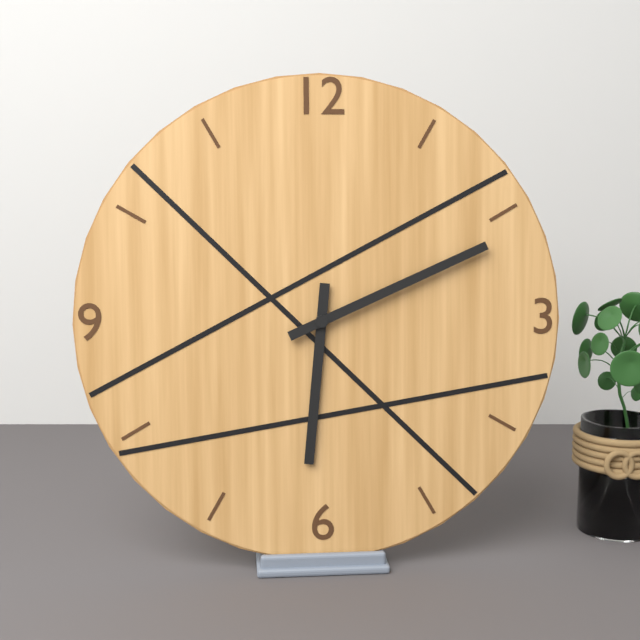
6:11
